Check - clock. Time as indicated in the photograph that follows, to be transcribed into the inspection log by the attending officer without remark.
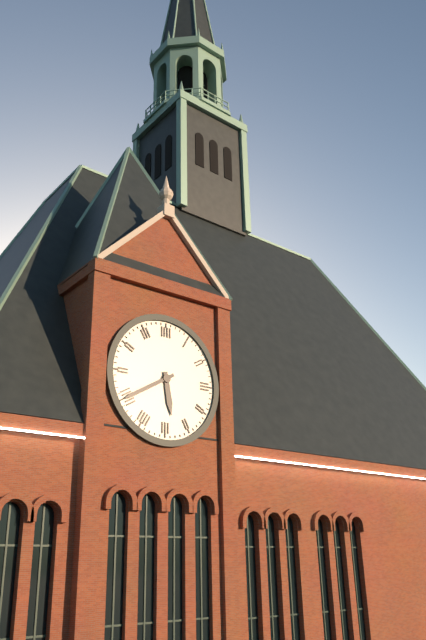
5:40
